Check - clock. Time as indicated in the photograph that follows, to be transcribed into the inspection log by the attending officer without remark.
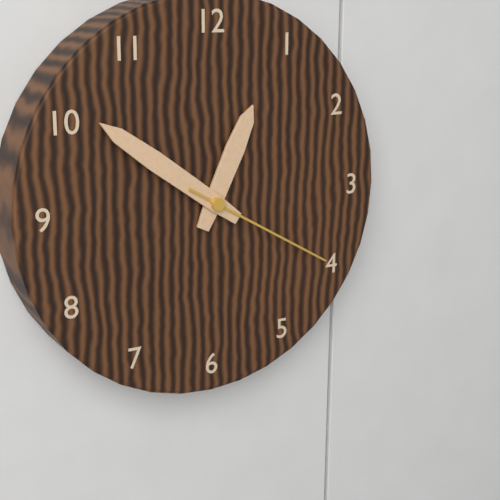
12:51:20
